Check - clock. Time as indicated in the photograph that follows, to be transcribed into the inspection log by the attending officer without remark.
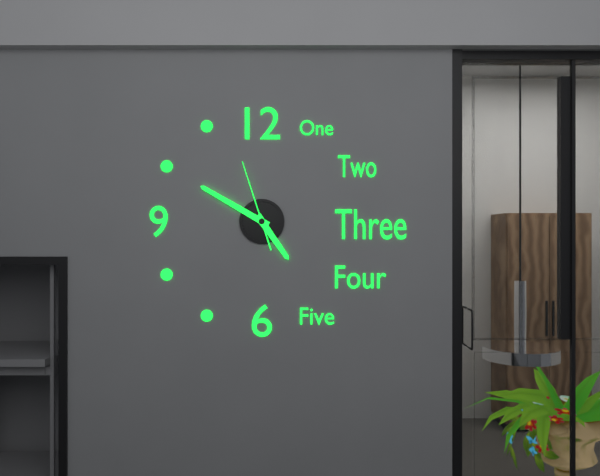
4:50:57
